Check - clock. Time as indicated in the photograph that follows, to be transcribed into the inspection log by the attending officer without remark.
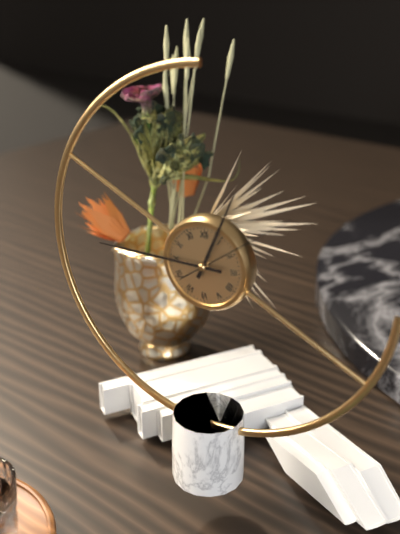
12:45:09
